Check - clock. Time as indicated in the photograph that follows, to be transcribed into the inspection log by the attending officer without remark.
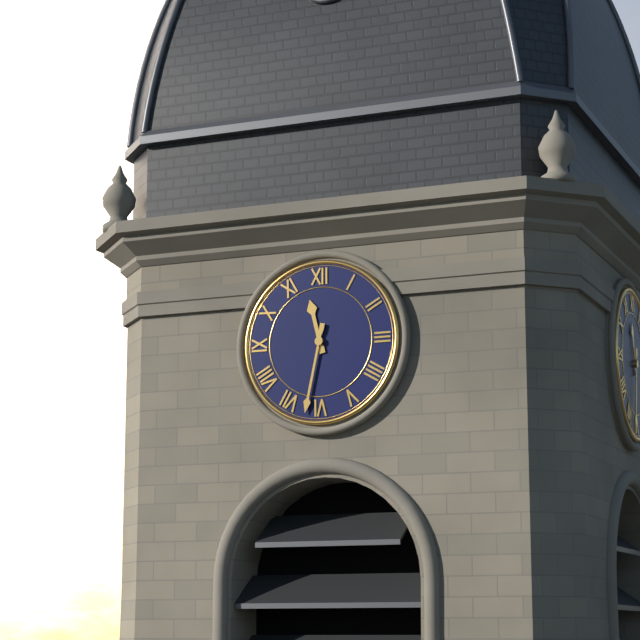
11:32
